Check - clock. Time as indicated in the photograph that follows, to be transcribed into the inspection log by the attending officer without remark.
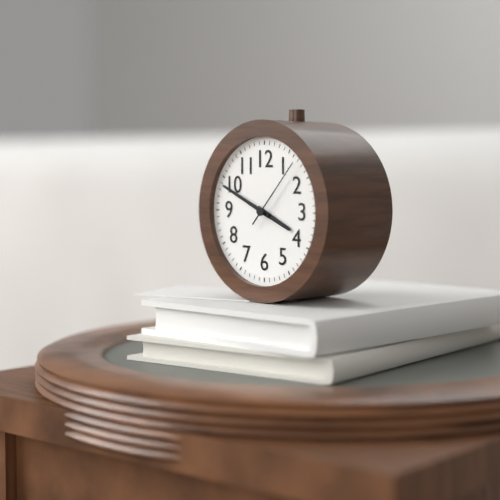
3:49:07
